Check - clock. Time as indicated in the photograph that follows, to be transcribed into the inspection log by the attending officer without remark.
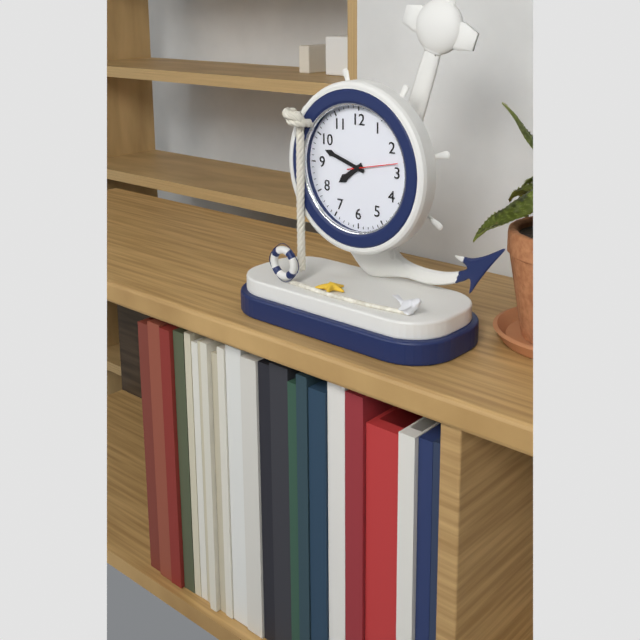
7:48:13
